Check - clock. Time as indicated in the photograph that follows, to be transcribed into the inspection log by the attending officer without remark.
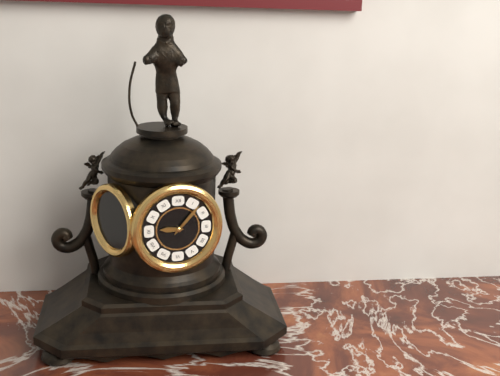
9:07
